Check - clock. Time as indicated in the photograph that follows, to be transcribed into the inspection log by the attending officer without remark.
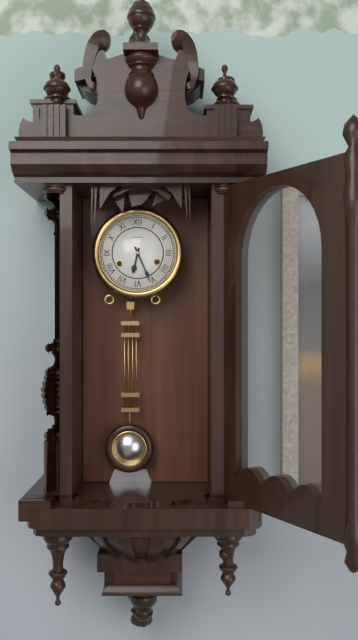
6:26
